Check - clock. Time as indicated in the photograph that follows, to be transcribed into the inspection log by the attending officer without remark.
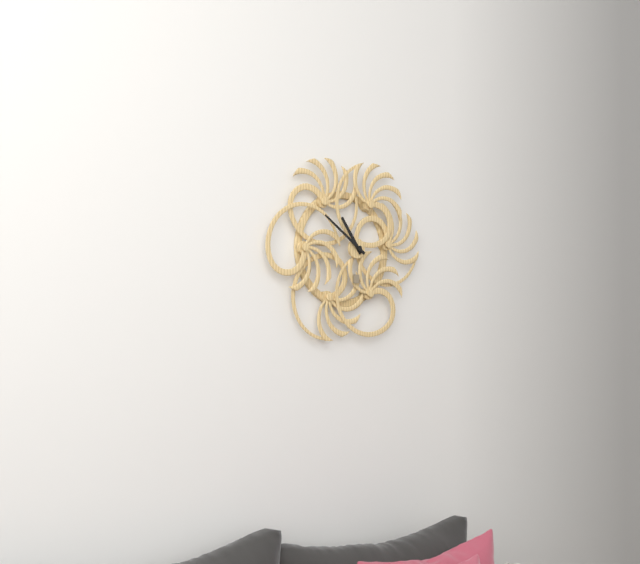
10:51
